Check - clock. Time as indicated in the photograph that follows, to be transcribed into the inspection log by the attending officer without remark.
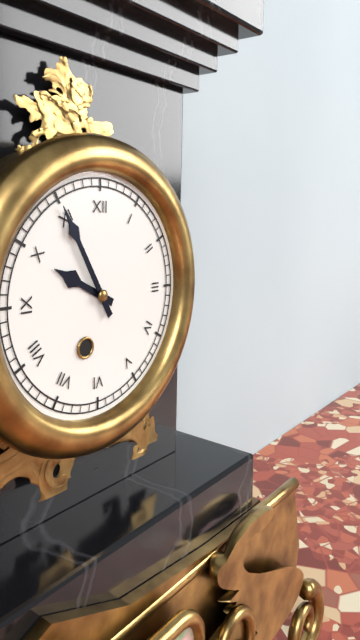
9:55
